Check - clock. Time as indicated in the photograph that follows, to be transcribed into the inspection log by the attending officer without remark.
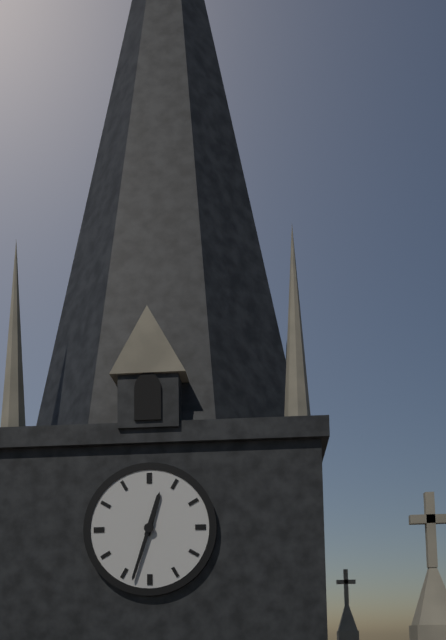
12:33
